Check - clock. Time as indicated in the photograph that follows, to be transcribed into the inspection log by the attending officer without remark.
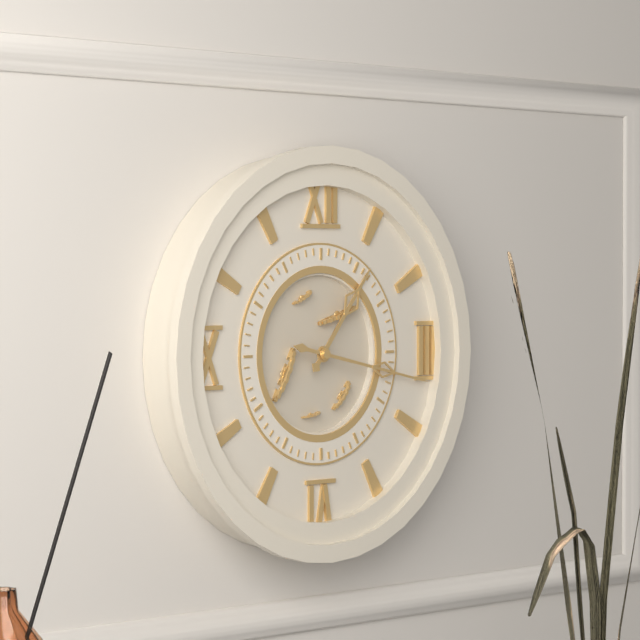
1:17
